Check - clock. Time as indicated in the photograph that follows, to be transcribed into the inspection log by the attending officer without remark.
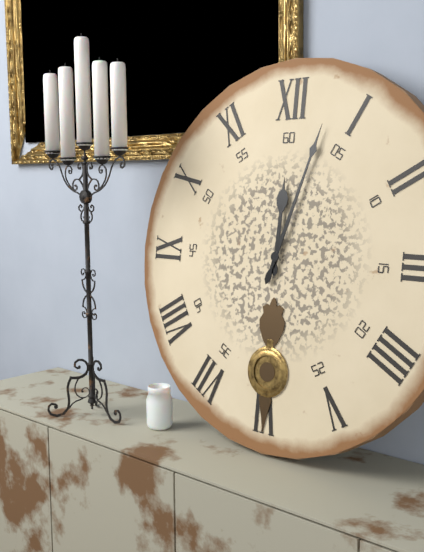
12:03
